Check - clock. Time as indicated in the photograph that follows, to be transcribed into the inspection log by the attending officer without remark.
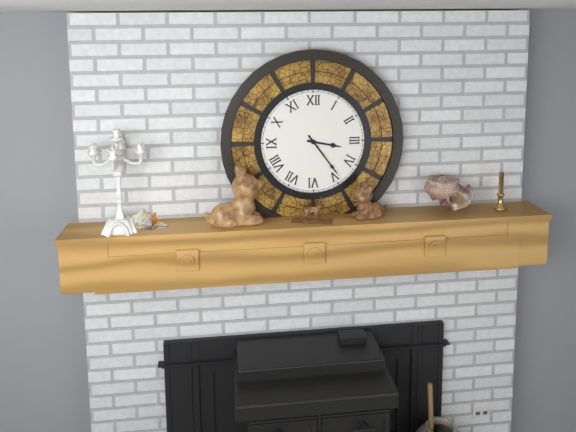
3:24
